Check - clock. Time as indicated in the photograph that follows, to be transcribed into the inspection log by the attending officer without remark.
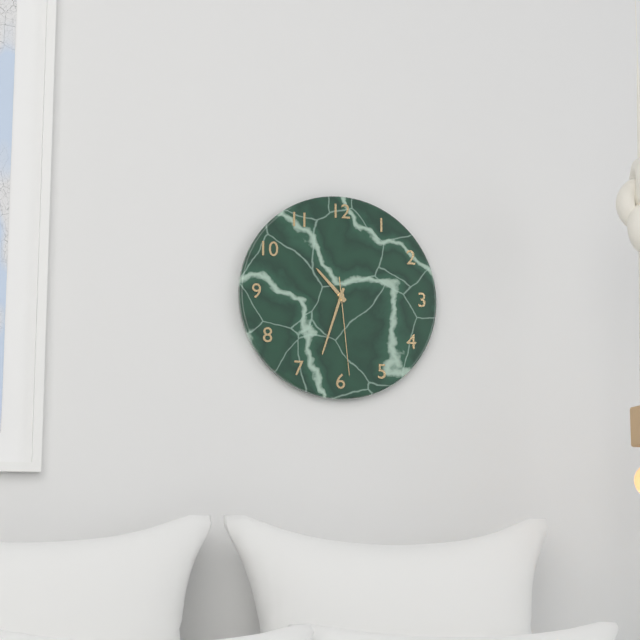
10:33:29
